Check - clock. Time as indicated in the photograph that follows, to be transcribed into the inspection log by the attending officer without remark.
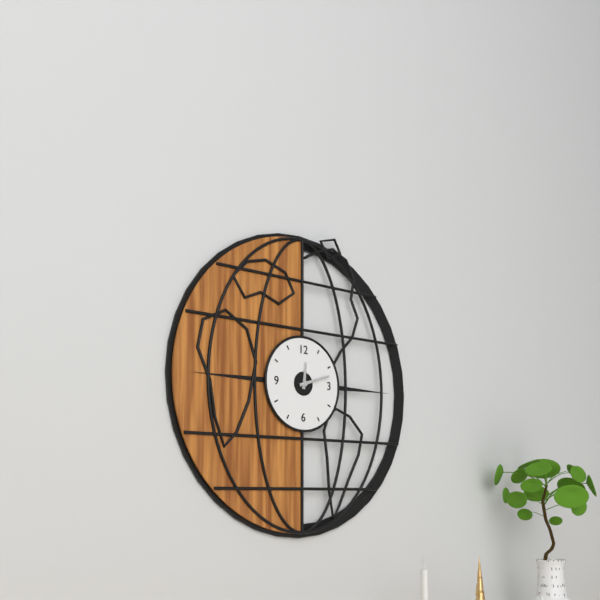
12:12
